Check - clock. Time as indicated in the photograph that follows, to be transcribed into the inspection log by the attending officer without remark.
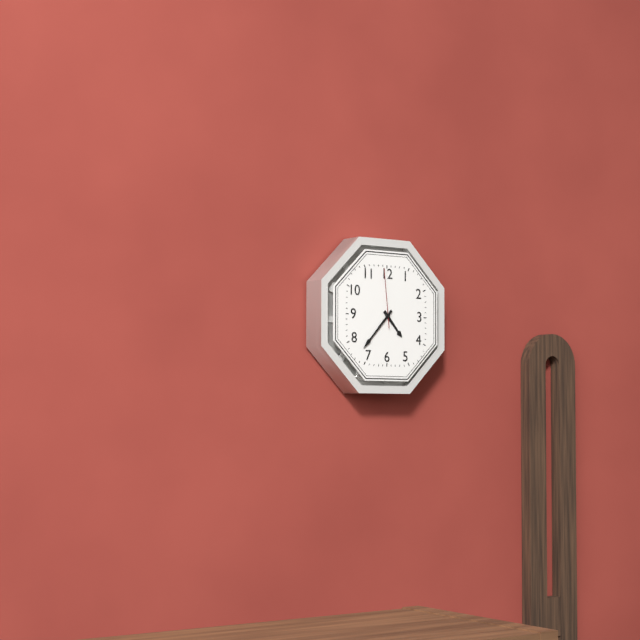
4:37:59
